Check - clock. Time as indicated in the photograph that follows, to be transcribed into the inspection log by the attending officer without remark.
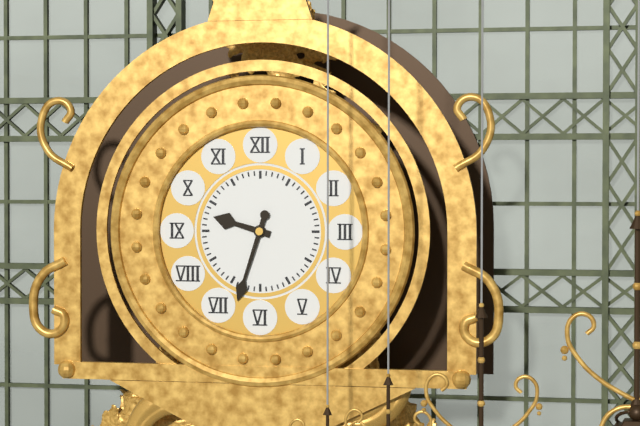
9:33
